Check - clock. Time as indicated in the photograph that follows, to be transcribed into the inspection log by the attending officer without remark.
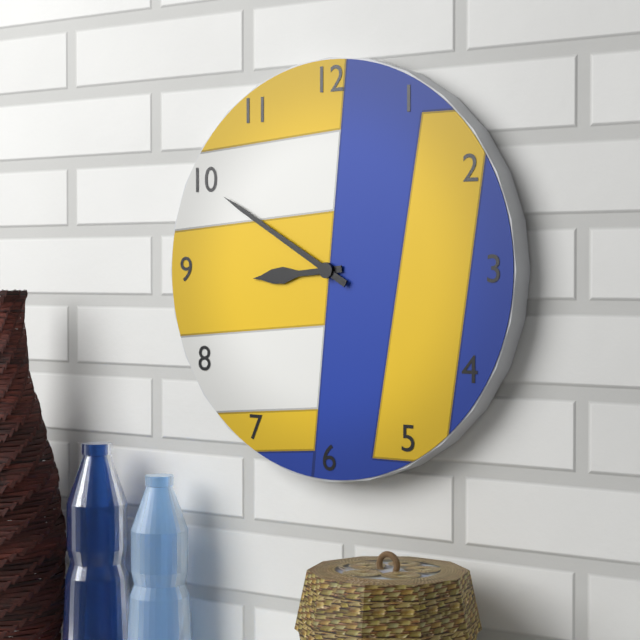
8:50
